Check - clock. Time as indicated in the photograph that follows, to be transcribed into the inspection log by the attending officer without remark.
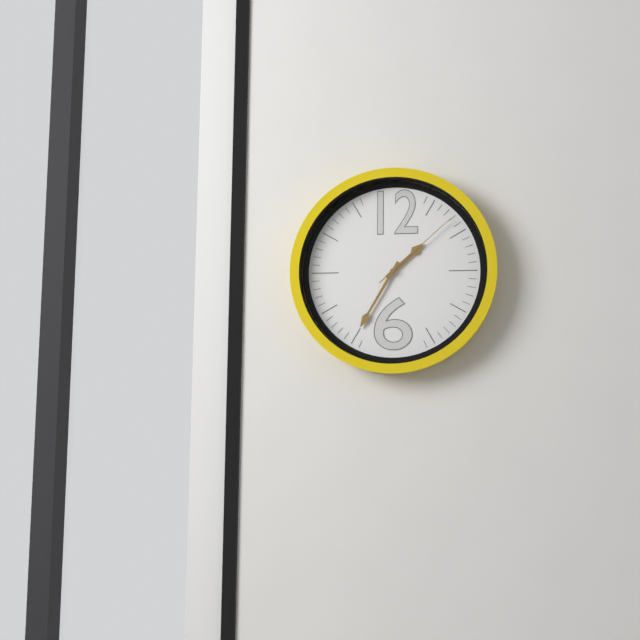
1:35:08
